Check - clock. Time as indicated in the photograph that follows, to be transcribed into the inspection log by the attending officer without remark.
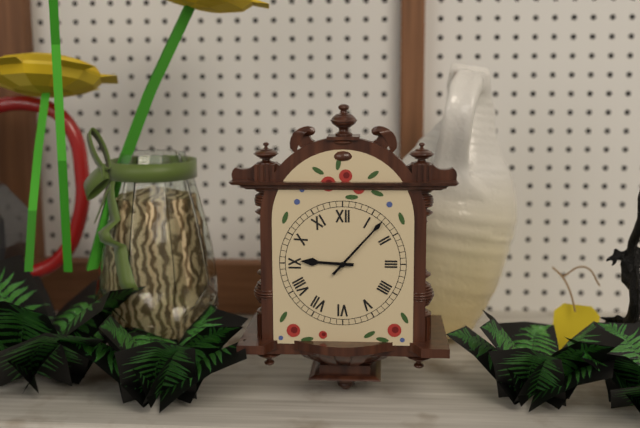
9:07
